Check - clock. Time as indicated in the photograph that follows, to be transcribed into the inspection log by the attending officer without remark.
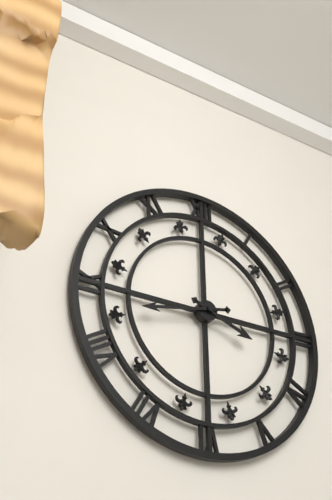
3:43
